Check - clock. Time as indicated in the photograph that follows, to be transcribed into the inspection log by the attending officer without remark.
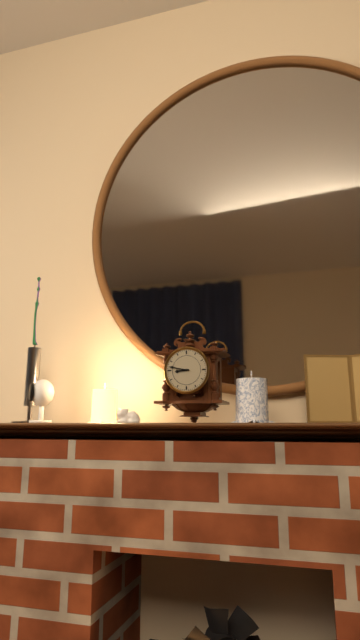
8:47
